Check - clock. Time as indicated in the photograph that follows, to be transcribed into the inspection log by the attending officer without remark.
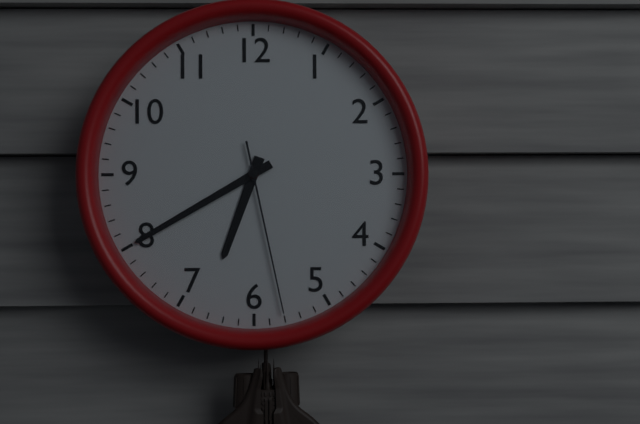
6:40:28
